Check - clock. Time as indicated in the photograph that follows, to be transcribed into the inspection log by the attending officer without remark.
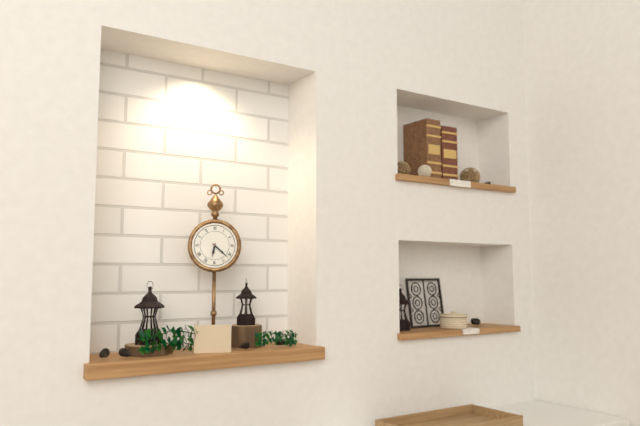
6:22
